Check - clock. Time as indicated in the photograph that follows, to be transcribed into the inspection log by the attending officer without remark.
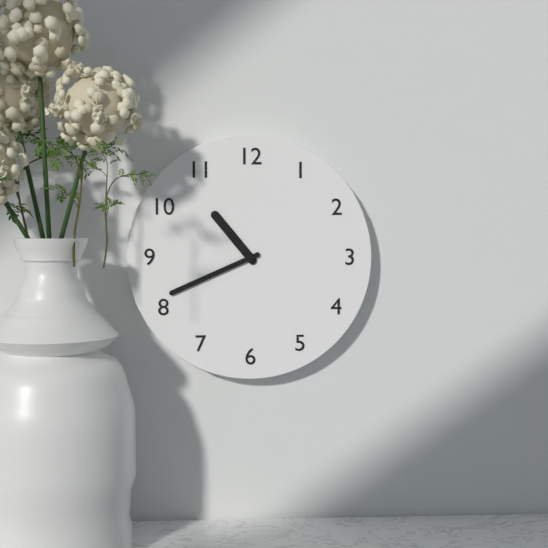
10:41
